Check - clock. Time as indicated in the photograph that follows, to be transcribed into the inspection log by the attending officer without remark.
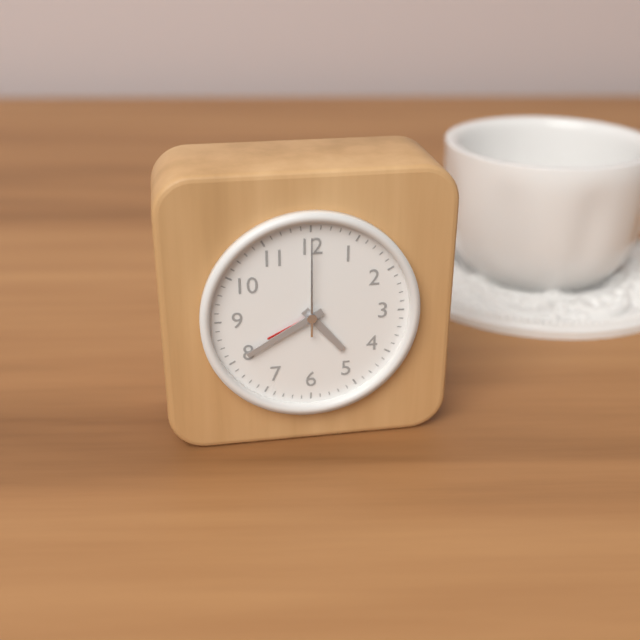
4:40:00
